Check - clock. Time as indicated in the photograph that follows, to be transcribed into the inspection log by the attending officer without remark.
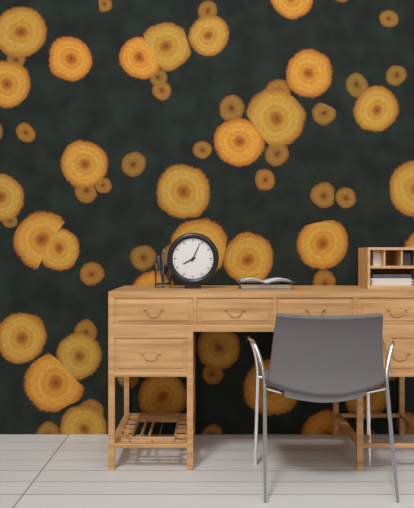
8:04
